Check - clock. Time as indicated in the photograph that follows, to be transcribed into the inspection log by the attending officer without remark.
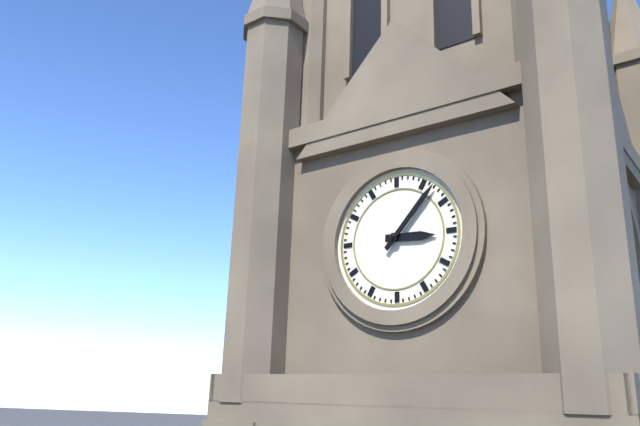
3:07
